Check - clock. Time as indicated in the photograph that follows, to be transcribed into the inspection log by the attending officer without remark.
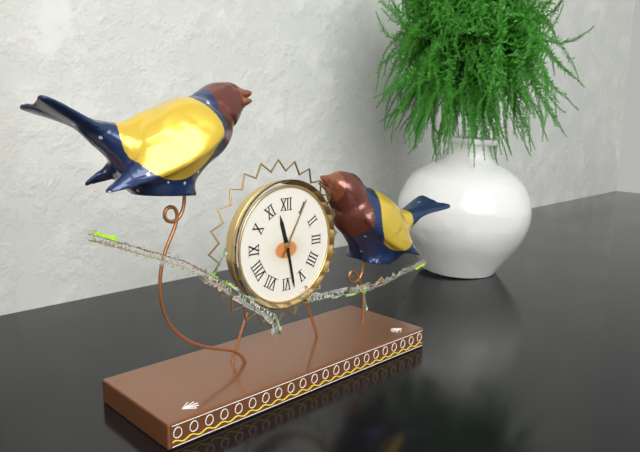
11:28:05
